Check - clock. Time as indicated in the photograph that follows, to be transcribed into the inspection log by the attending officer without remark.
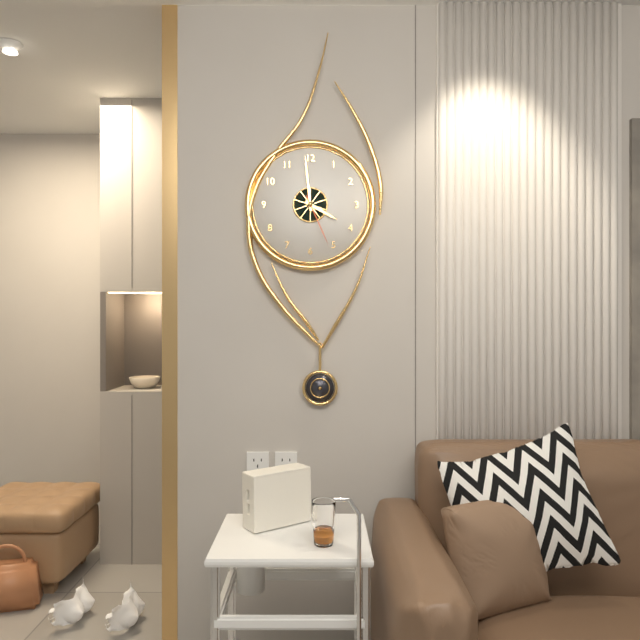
3:59:26
